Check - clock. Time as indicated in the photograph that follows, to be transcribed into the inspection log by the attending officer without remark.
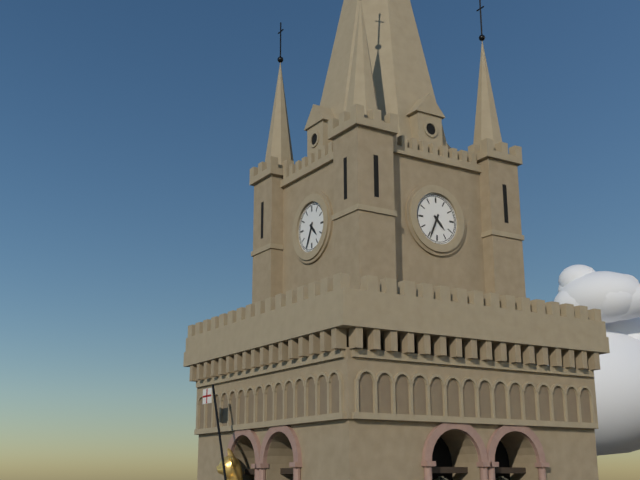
4:34
